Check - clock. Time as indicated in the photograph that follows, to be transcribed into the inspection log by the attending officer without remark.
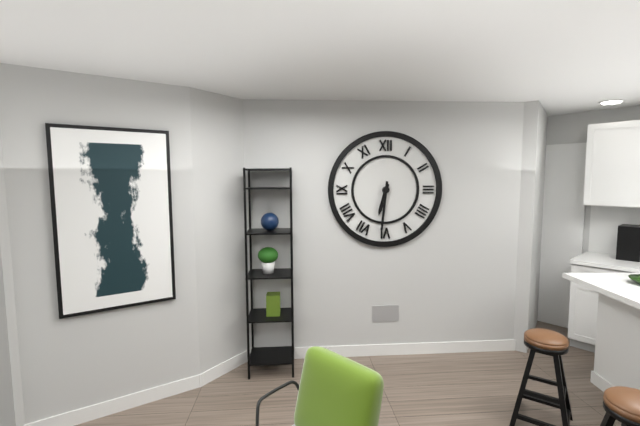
6:31
